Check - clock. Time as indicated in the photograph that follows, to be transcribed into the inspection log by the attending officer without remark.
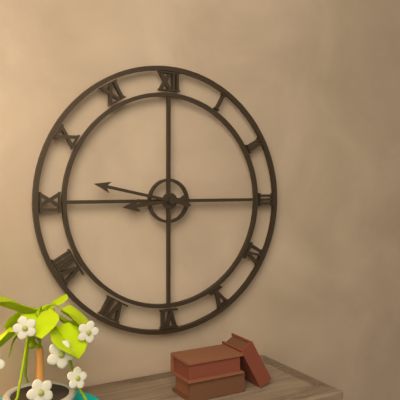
8:47
